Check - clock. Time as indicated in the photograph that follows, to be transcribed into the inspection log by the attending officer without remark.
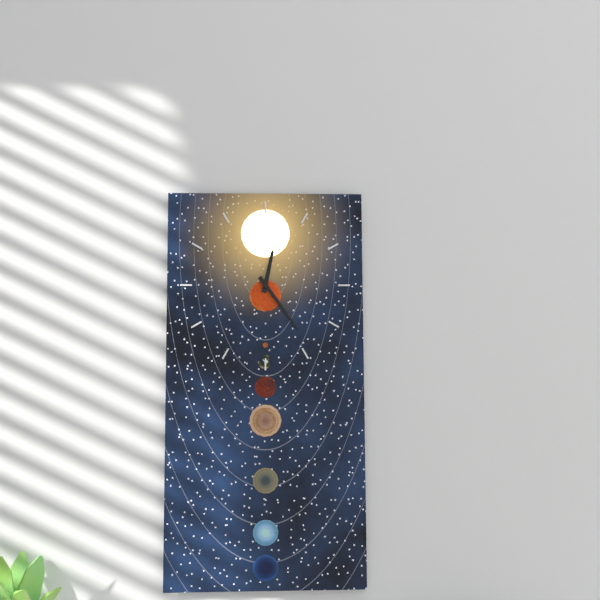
12:24
